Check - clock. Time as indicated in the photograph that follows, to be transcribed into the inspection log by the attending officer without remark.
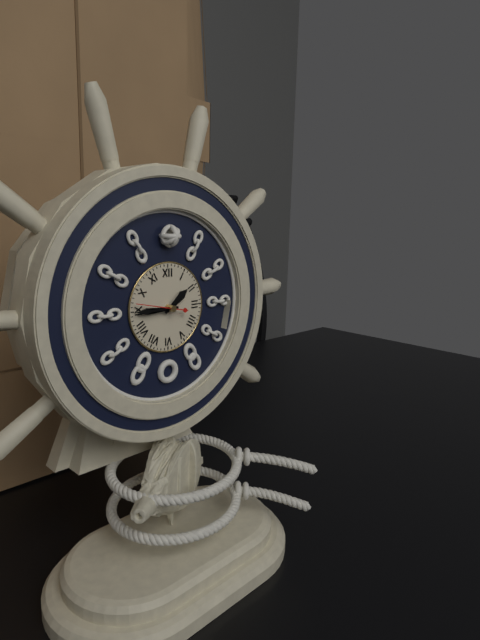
1:45
